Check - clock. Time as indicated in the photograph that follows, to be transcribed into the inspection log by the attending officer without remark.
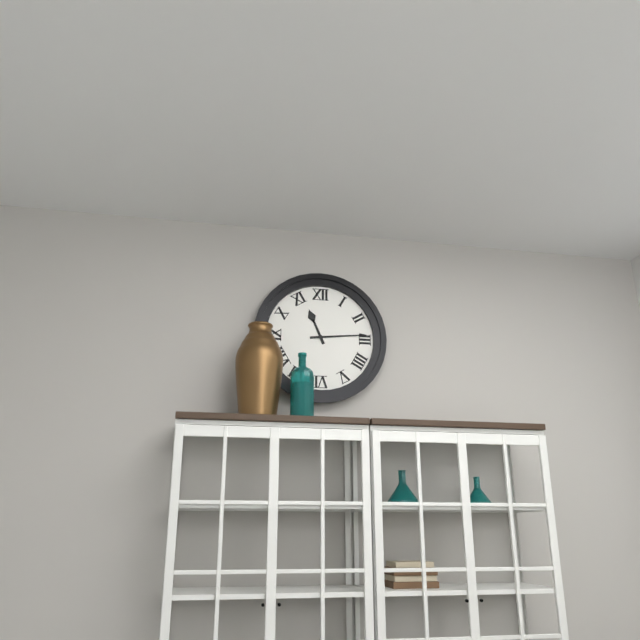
11:14
